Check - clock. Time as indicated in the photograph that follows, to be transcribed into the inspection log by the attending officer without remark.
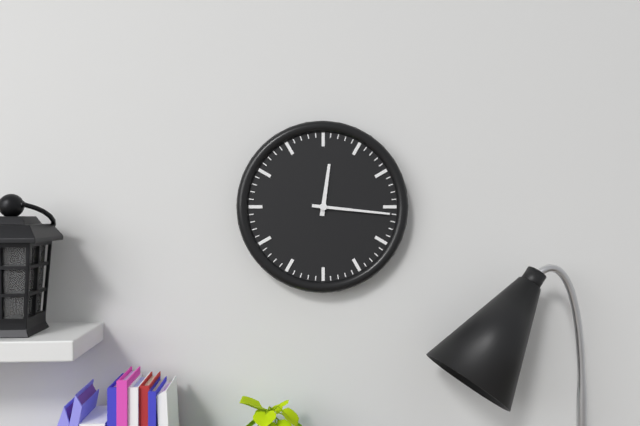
12:16
